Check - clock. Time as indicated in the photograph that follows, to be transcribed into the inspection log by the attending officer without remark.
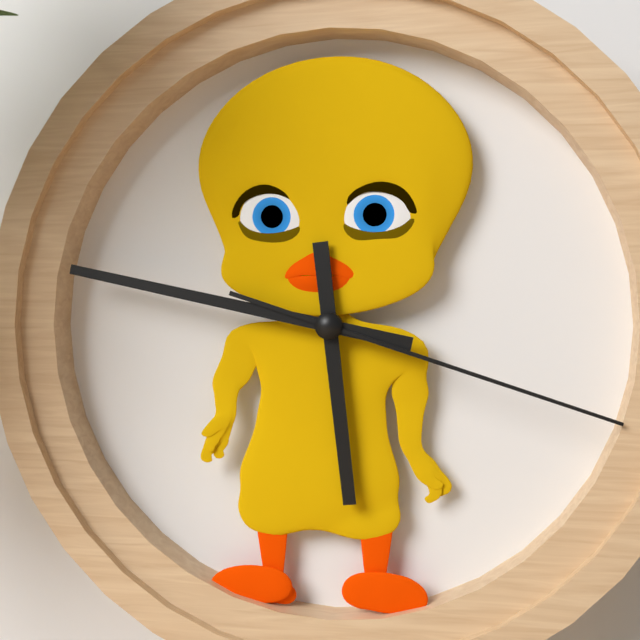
5:47:18
